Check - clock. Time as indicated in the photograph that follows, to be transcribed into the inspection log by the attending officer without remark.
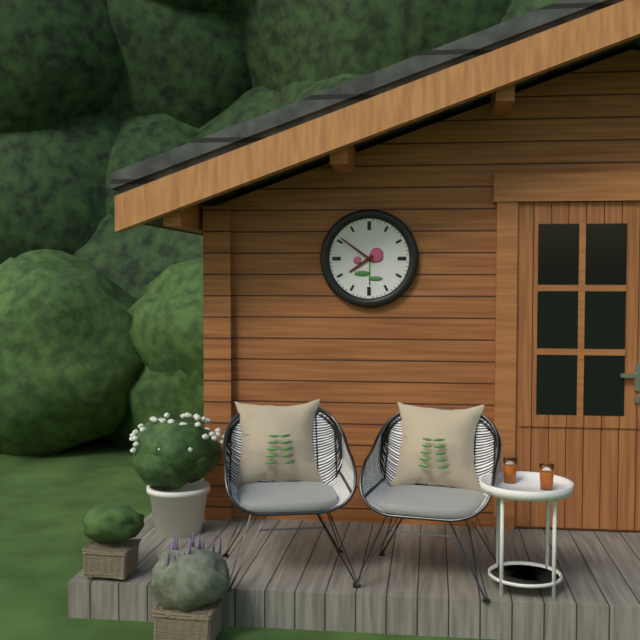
7:51
